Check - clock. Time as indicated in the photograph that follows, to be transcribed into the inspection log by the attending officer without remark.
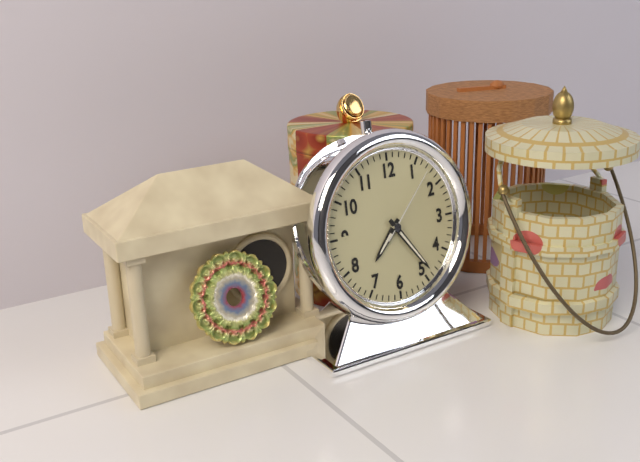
7:24:07
